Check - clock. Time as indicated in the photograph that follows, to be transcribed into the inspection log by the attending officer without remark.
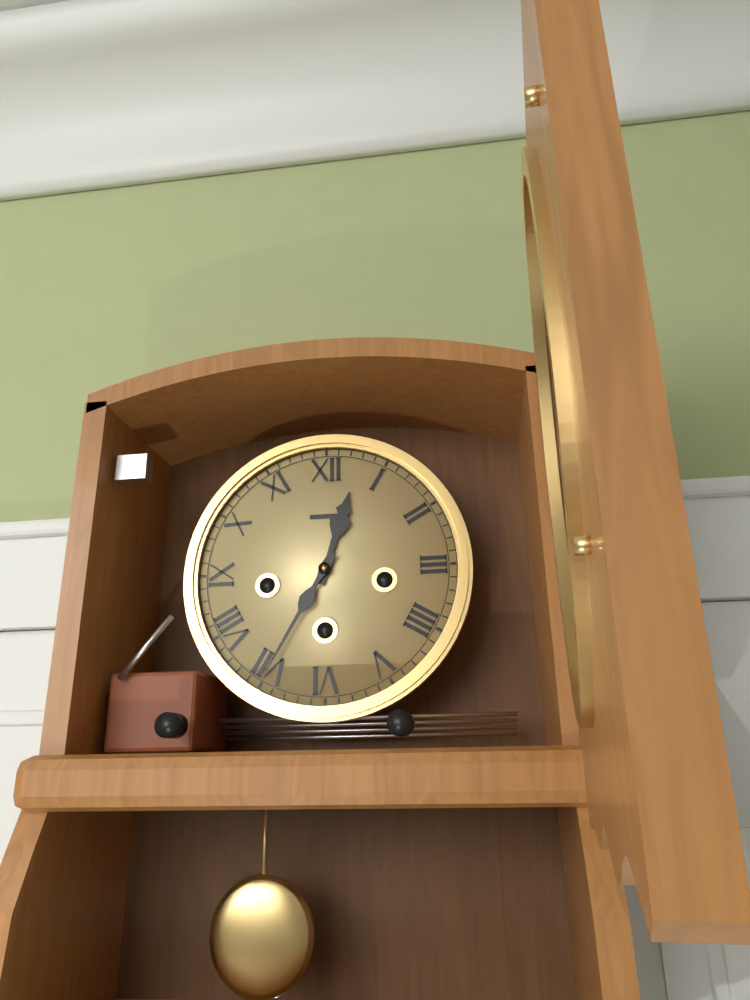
12:35
